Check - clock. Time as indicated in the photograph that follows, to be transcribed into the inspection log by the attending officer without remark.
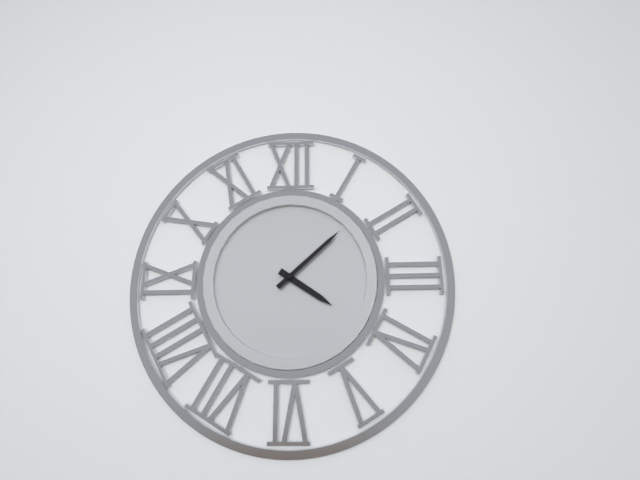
4:08
